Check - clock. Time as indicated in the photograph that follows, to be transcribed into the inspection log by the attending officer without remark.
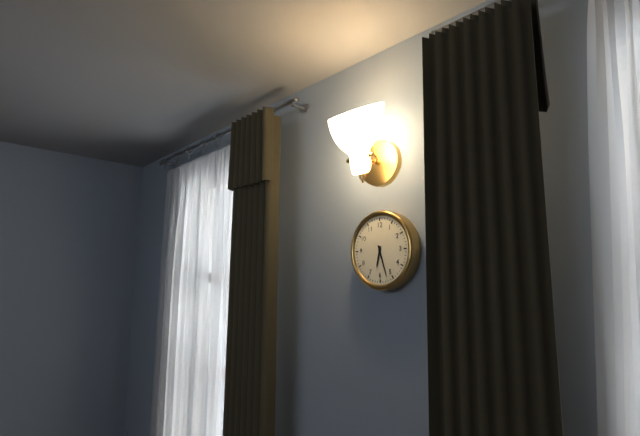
6:27
